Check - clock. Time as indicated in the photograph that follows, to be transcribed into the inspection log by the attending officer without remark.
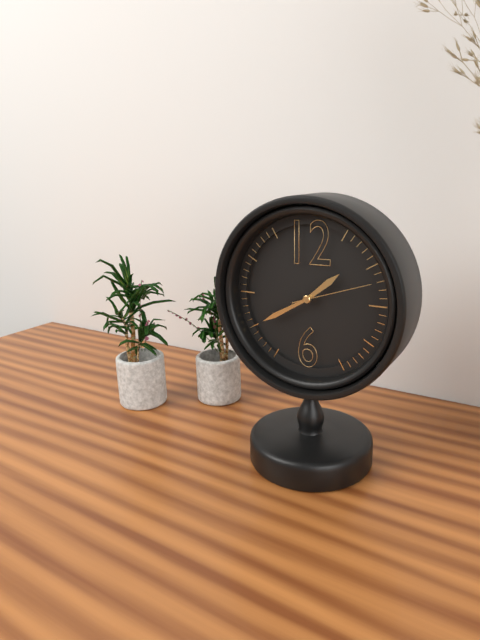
1:40:12
